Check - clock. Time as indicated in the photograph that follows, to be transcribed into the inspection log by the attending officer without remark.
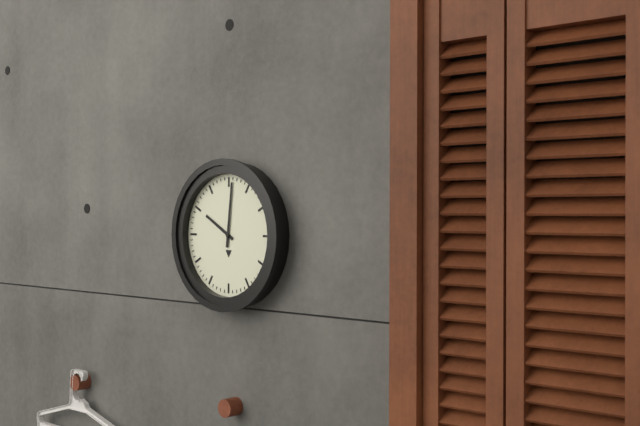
10:01
